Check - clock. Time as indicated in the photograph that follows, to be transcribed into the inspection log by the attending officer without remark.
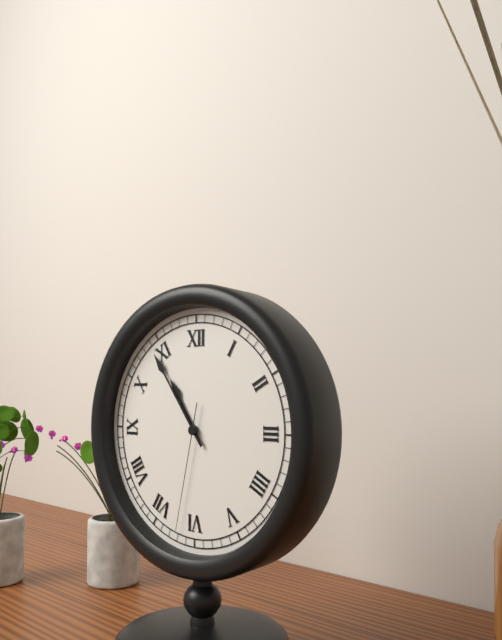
10:54:32
